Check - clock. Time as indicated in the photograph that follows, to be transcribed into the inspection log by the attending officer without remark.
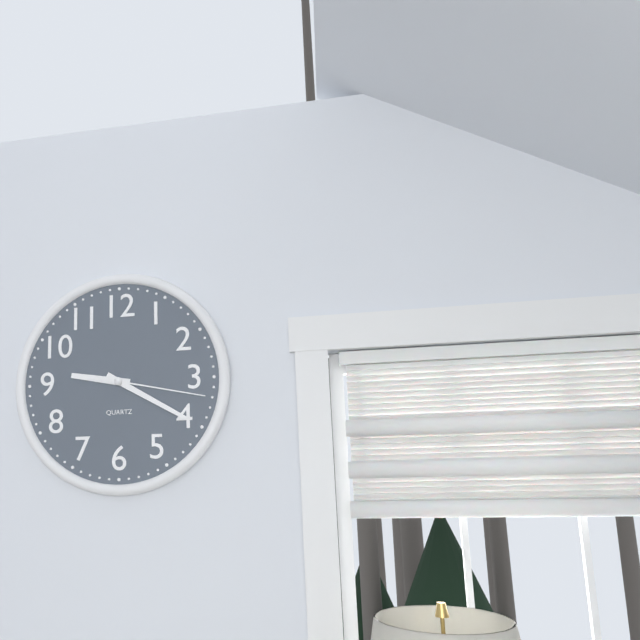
9:20:17
